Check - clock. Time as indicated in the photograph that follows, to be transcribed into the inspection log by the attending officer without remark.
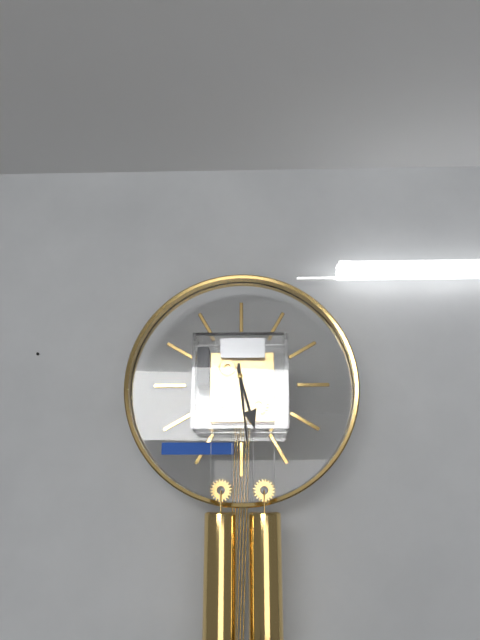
5:29
